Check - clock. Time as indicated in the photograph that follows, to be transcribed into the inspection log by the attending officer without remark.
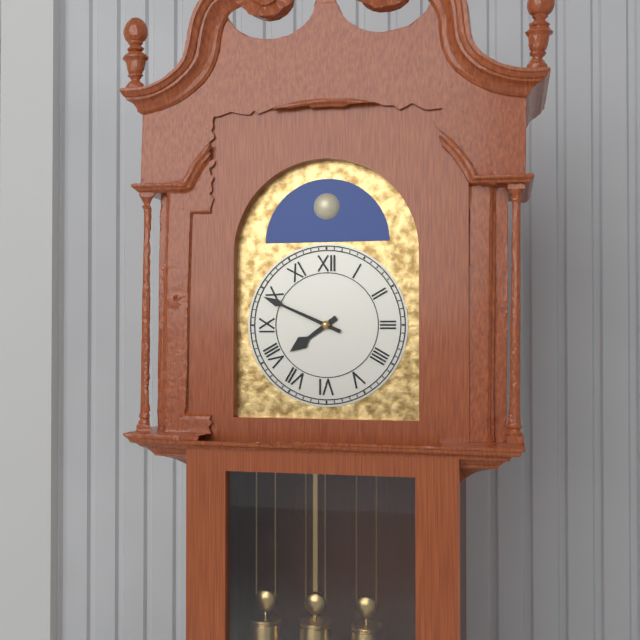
7:49
